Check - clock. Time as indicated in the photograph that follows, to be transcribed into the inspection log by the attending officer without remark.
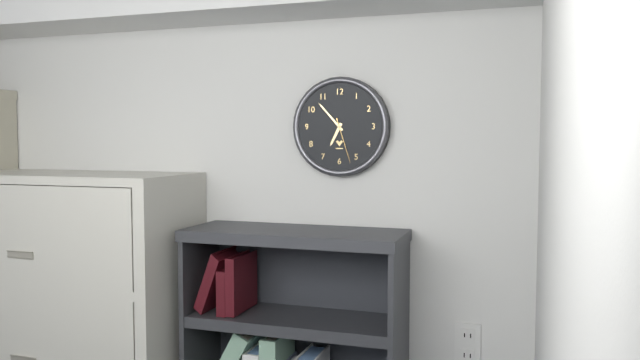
6:53
